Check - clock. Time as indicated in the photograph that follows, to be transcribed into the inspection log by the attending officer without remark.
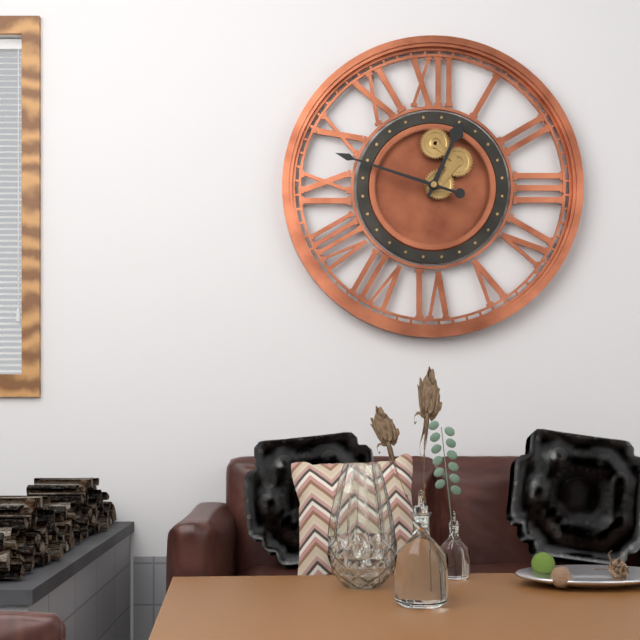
12:48
